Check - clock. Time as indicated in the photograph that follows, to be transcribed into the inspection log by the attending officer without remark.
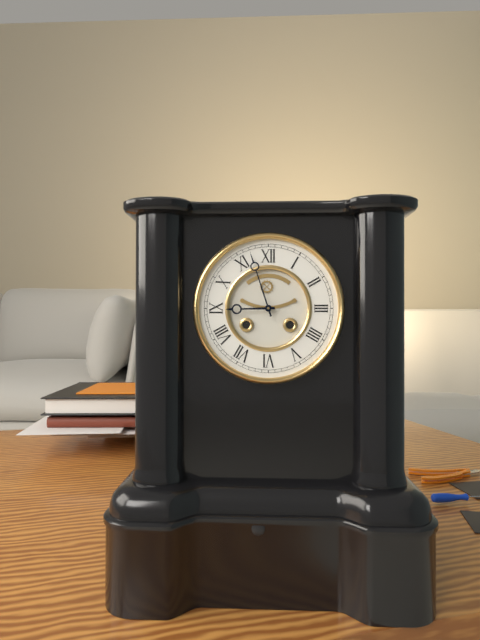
8:57
